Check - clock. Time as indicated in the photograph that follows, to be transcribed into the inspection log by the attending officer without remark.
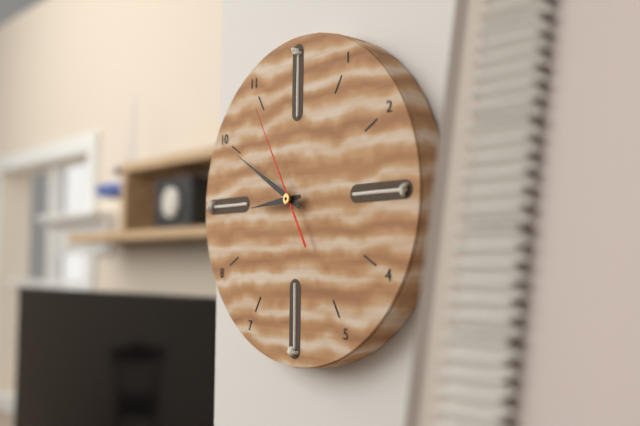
8:50:55
